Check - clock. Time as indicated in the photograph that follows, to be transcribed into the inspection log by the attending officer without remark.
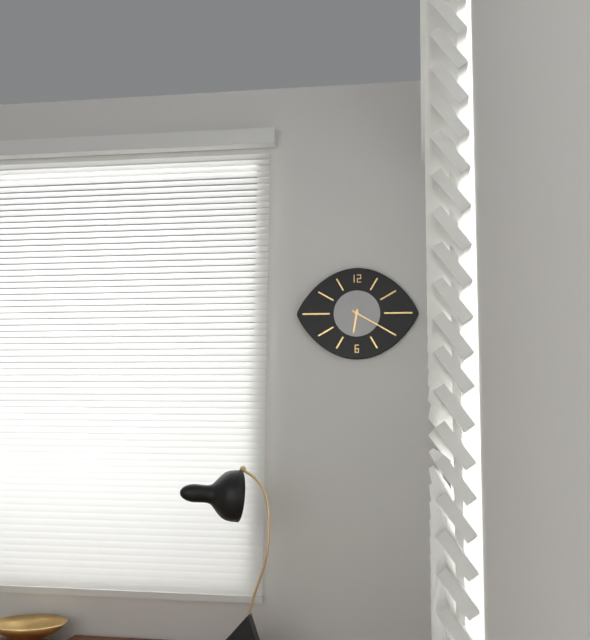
6:20
